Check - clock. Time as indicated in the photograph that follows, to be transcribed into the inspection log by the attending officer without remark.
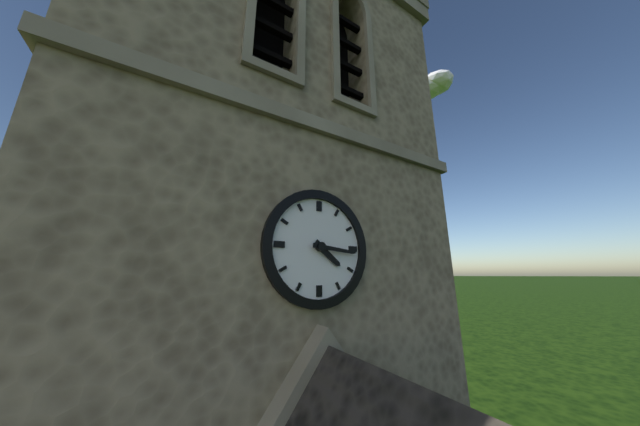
4:16
